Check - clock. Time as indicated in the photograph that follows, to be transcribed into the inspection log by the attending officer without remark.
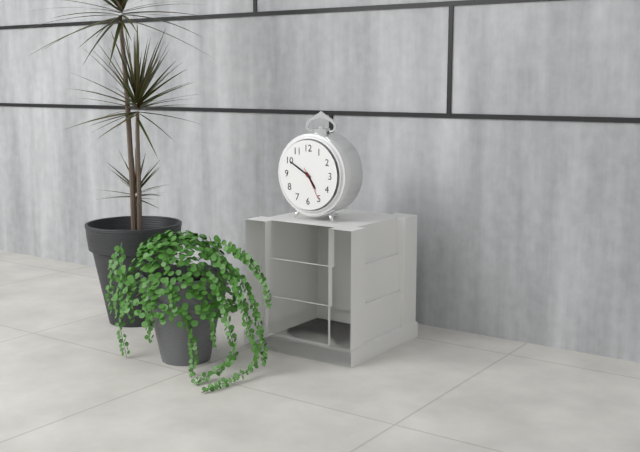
4:50
